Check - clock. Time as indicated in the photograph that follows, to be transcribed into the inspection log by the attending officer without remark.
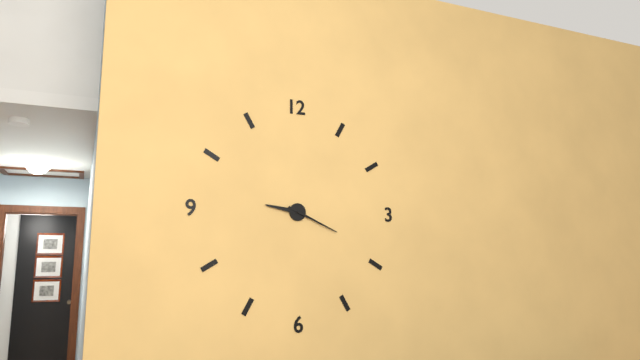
9:19
